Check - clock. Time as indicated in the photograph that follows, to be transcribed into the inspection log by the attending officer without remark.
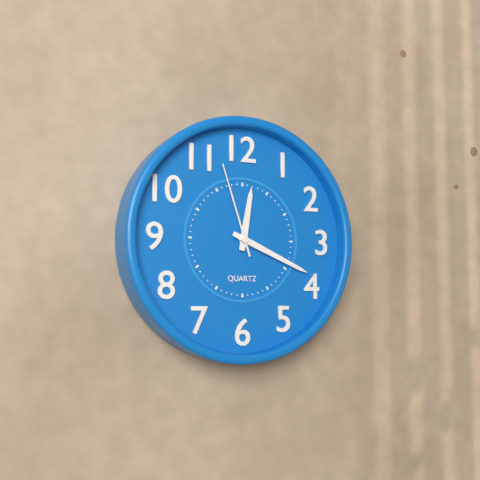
12:19:57
